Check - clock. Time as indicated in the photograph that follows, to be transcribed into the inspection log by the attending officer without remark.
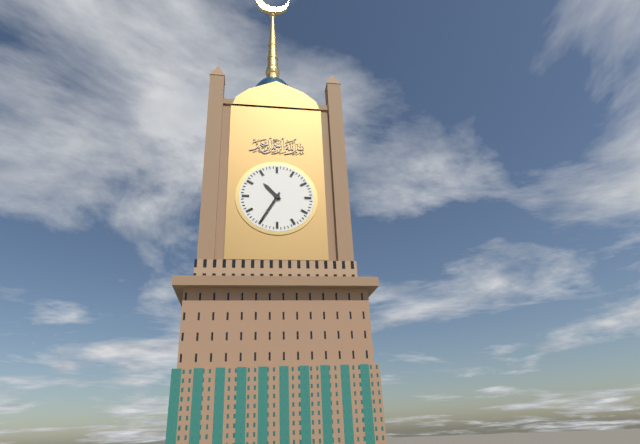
10:35
